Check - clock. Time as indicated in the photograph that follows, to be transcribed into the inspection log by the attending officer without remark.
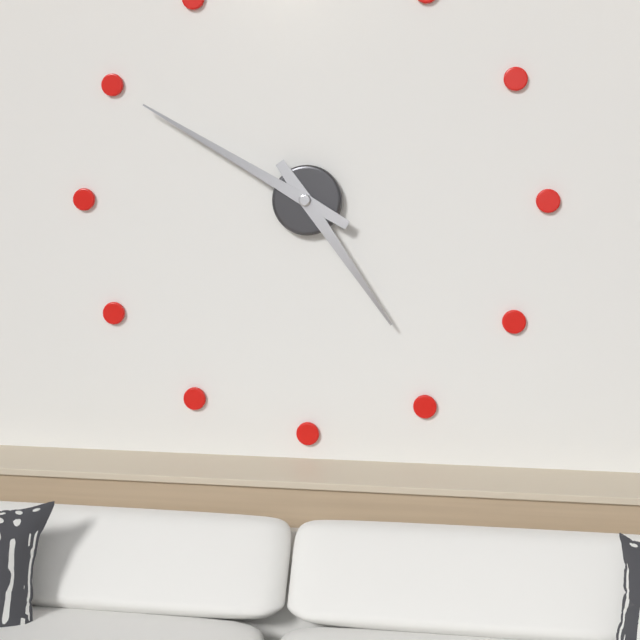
4:50
